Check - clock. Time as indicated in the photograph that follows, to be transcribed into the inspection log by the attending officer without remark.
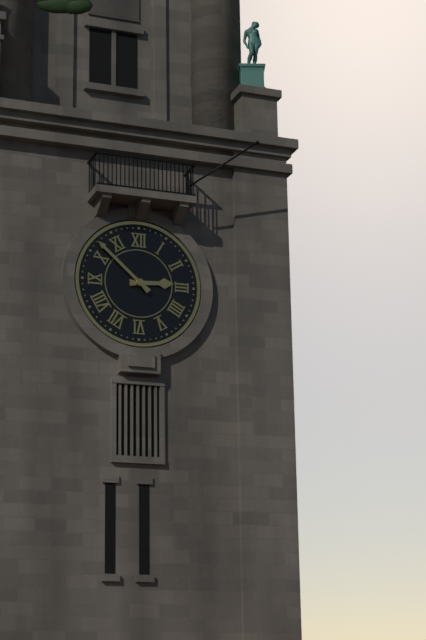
2:52
